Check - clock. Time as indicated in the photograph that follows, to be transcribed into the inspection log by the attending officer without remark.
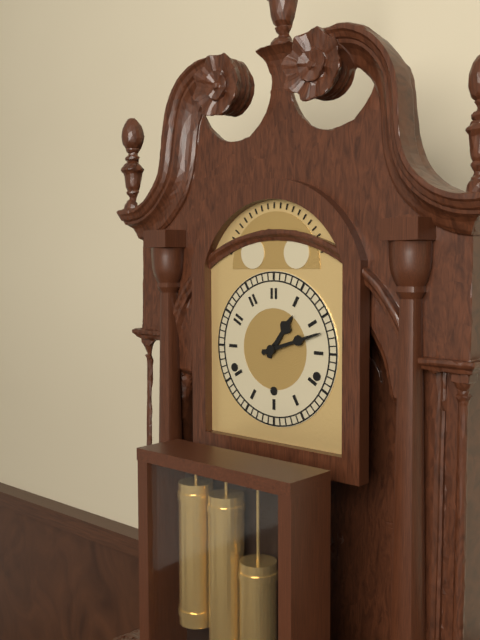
1:12
